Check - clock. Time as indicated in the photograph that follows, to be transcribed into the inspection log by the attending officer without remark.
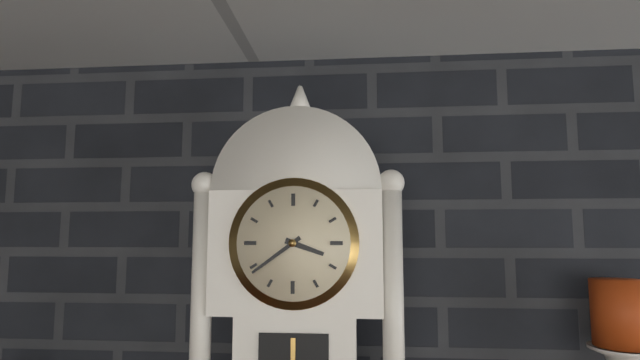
3:39
